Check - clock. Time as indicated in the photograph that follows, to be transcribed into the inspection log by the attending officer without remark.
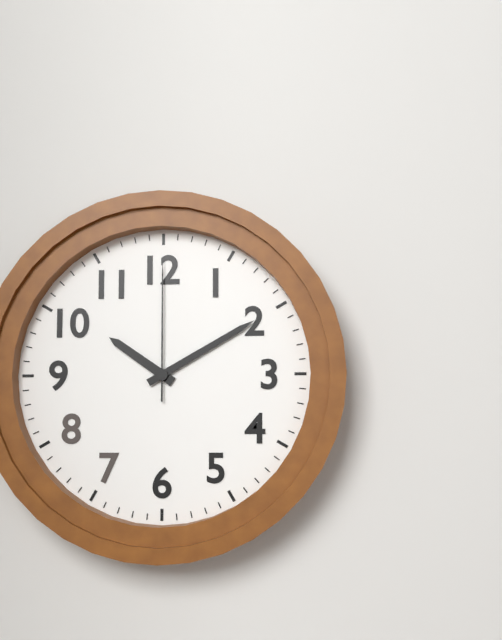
10:10:00
